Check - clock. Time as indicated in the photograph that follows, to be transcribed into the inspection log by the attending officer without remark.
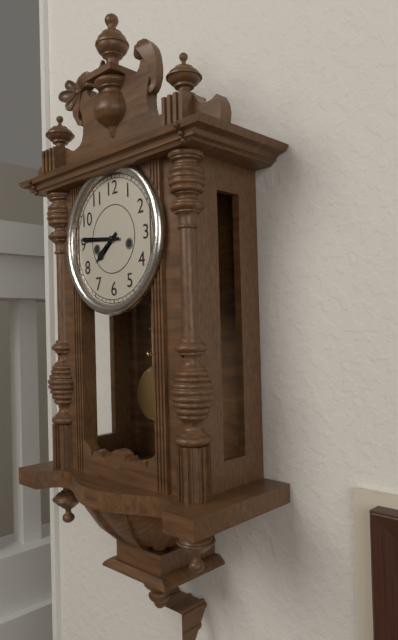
7:46
